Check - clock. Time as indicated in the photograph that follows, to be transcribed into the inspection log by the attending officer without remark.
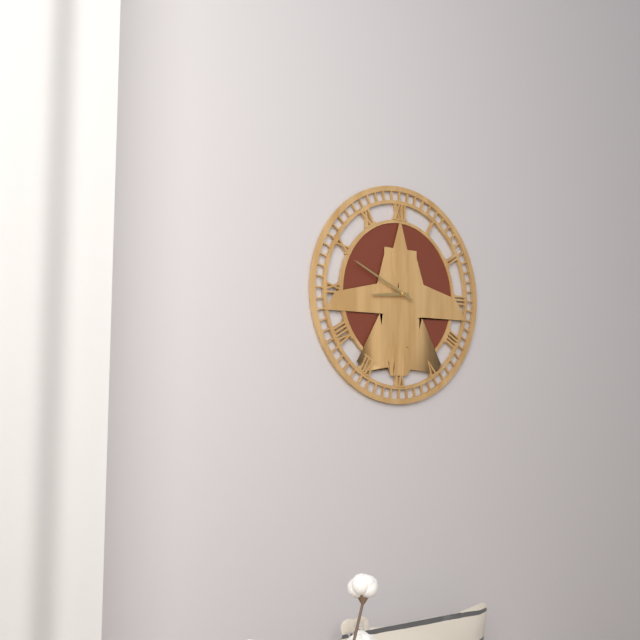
8:49
